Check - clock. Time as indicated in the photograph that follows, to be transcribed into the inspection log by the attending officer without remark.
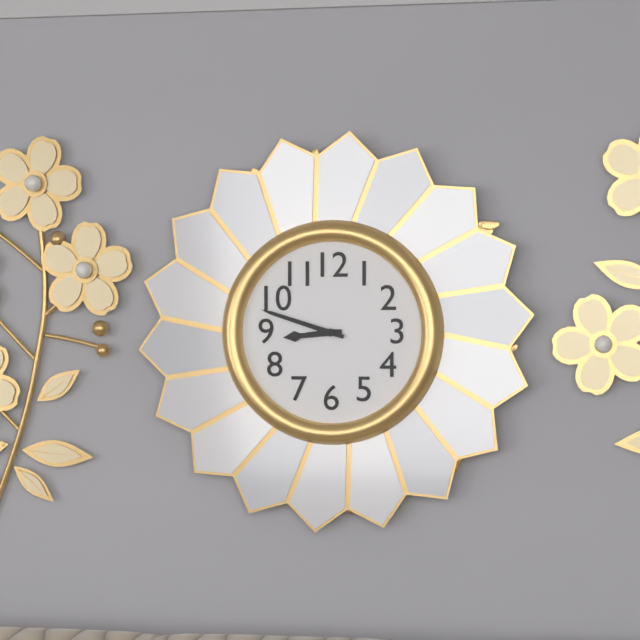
8:48
